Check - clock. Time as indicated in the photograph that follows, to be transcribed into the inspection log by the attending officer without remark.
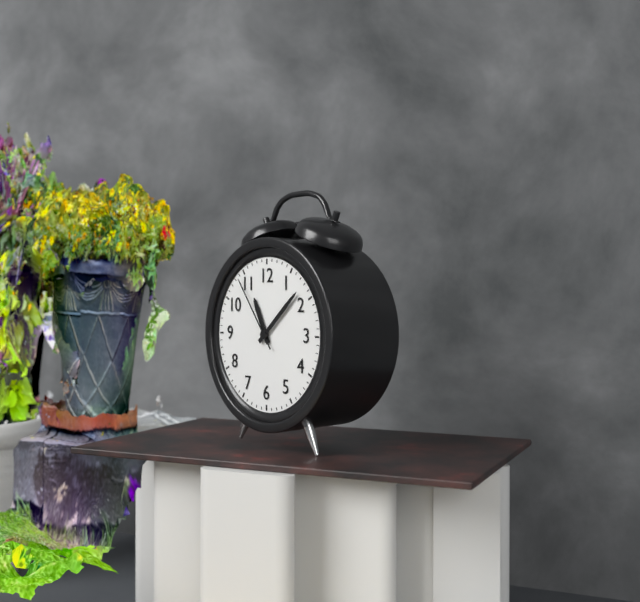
11:08:54
